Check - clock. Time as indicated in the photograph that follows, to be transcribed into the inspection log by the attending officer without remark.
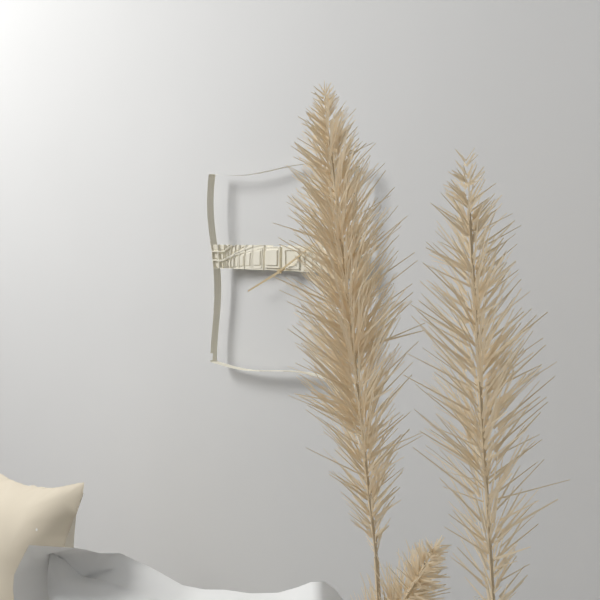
8:10
